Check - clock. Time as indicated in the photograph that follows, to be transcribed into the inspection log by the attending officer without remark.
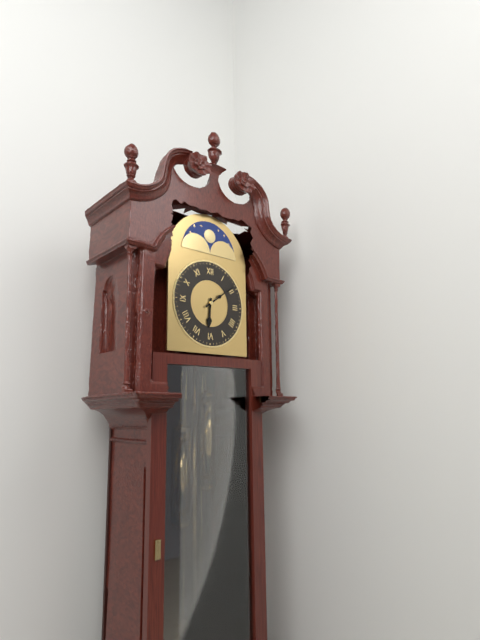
6:09
